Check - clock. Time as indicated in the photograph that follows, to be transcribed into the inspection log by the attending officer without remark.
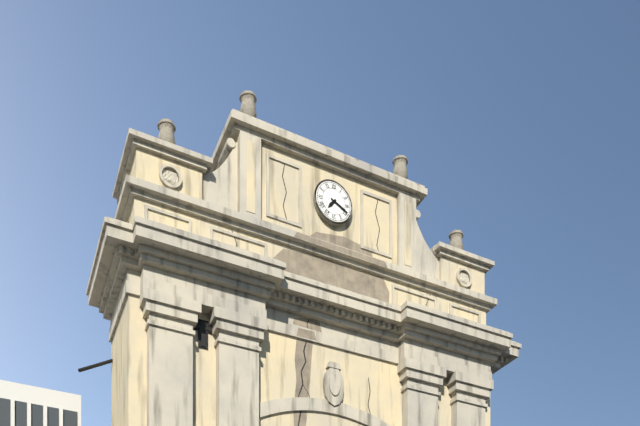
7:19
